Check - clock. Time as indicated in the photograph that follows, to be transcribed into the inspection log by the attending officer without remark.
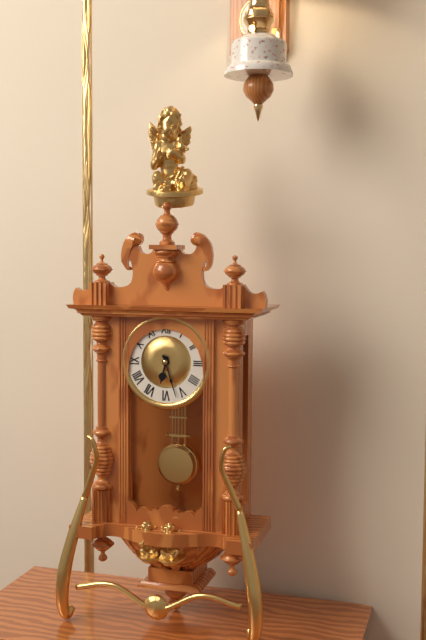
6:27
